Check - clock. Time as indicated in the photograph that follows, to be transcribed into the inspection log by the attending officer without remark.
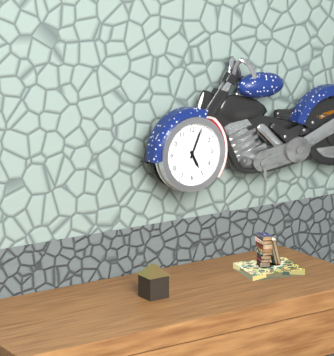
5:04
